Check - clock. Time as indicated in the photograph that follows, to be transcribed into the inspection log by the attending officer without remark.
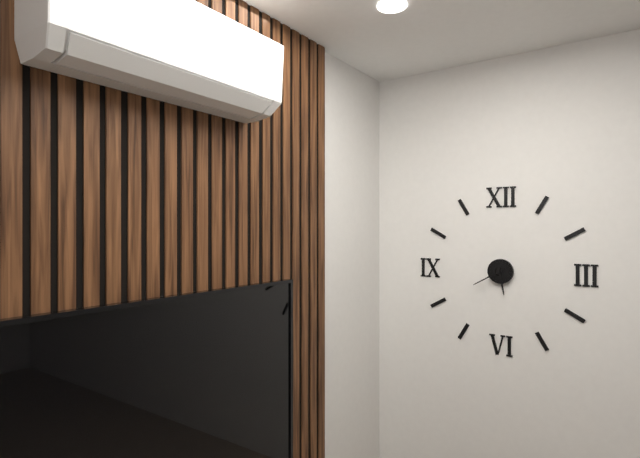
5:40
